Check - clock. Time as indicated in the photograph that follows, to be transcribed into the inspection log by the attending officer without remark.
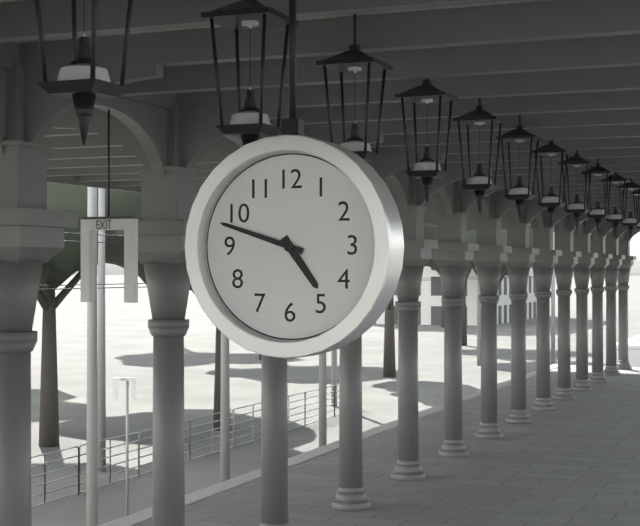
4:48
